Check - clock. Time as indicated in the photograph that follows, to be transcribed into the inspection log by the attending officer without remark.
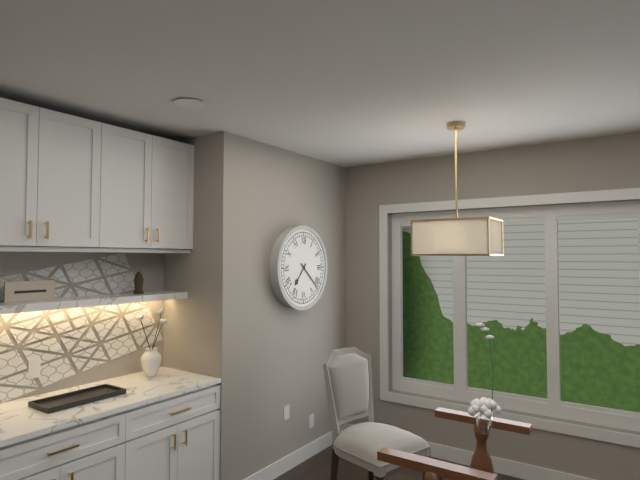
7:22
